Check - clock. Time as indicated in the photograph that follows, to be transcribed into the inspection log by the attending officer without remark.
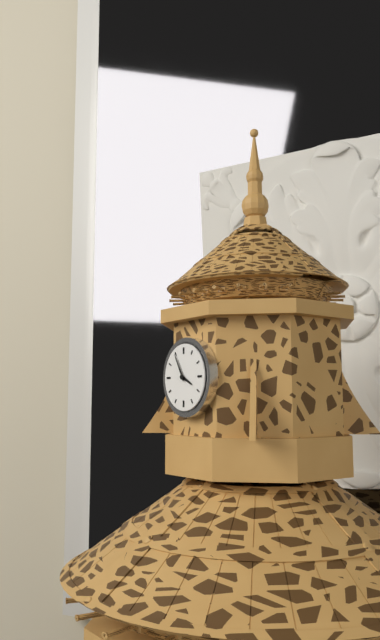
3:55
